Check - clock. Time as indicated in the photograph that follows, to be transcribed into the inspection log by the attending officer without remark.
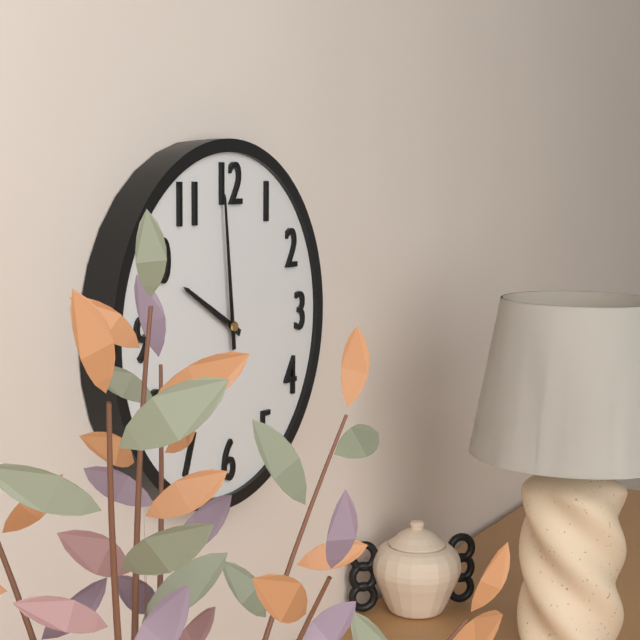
9:59
